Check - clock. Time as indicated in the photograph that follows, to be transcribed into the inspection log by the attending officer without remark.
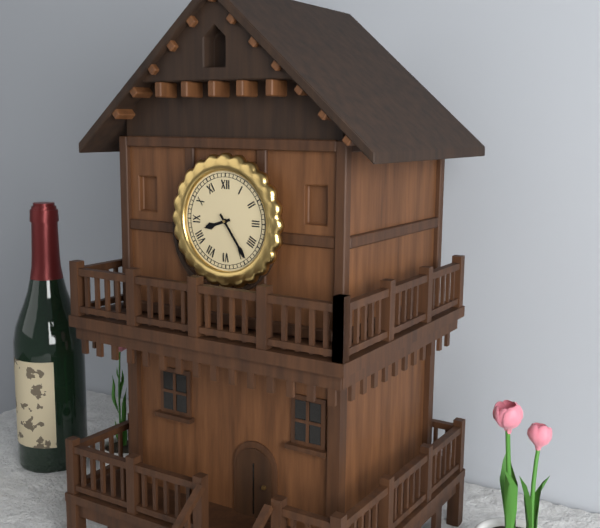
8:24
